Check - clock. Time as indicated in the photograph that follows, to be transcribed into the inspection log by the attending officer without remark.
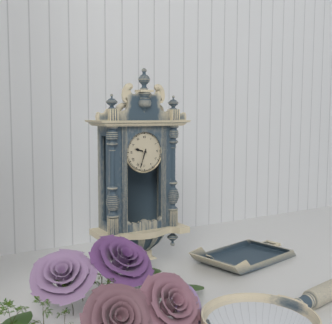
9:33
